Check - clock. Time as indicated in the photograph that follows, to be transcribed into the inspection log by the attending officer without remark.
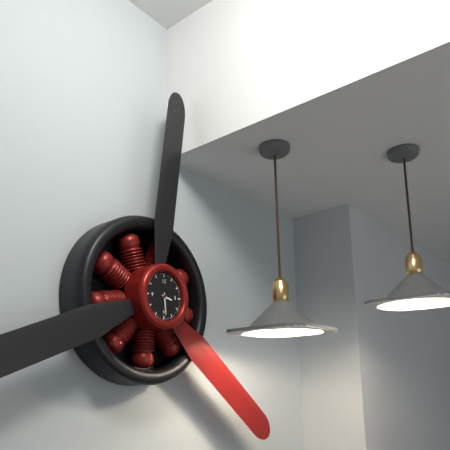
3:29
